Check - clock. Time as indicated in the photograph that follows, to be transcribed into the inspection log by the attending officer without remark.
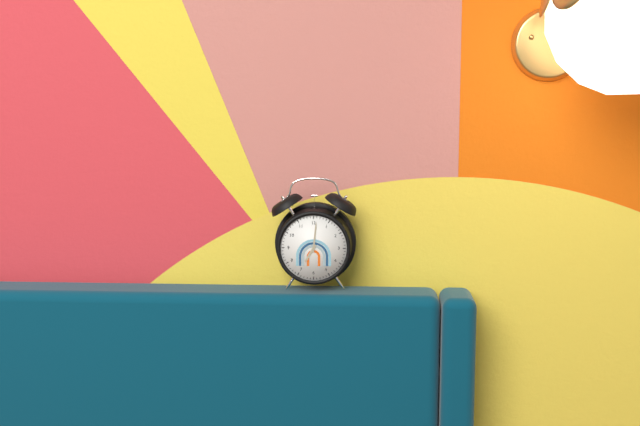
7:01
